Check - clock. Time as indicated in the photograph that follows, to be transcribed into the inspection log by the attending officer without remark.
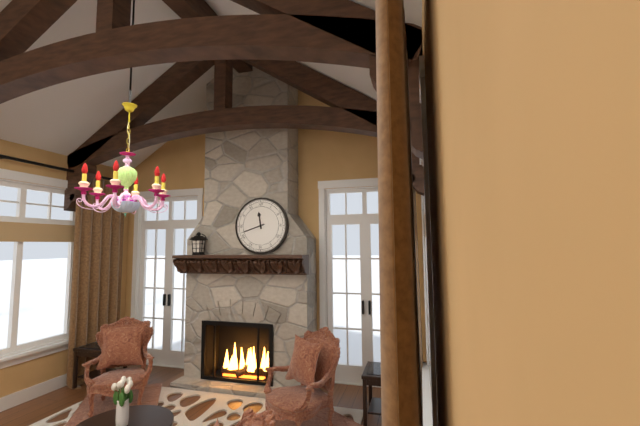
11:42
